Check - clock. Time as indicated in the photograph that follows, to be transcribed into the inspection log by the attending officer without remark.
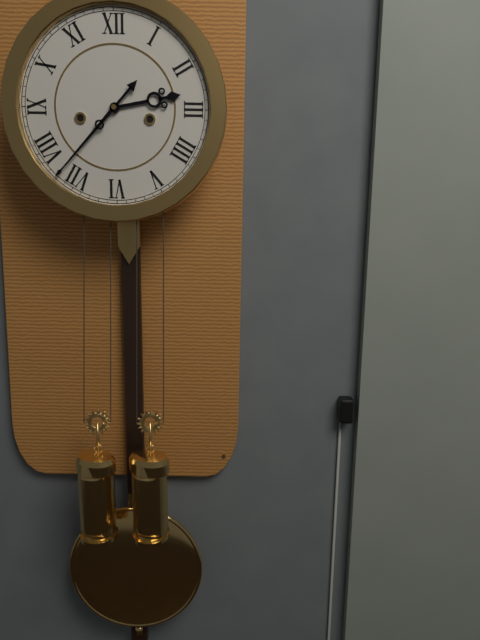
2:37
